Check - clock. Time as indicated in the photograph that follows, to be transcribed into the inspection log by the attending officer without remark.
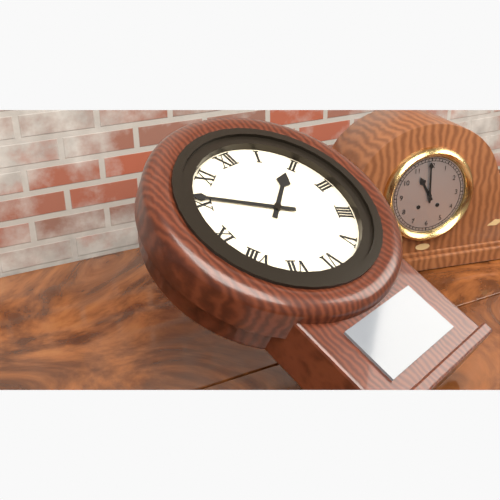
1:51
